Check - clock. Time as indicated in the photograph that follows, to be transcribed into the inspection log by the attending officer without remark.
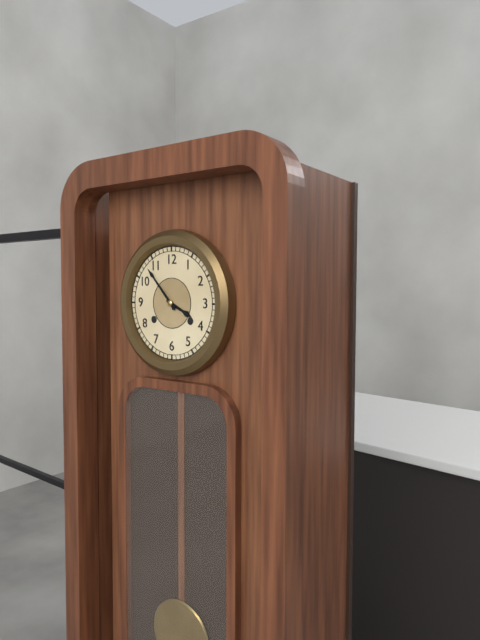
3:53
